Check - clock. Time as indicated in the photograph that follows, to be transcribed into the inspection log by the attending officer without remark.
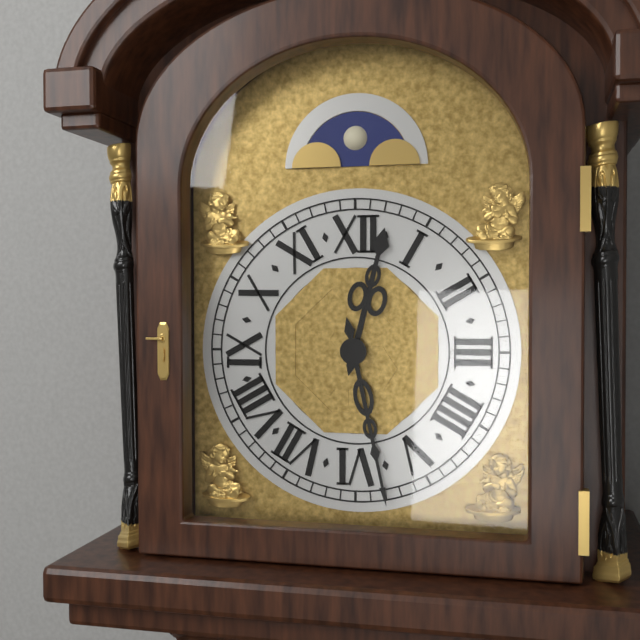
12:28
